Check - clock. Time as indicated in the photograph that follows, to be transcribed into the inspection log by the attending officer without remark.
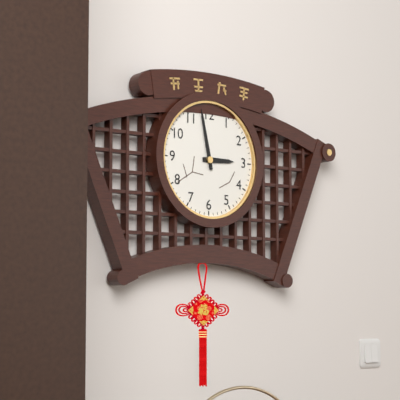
2:58
